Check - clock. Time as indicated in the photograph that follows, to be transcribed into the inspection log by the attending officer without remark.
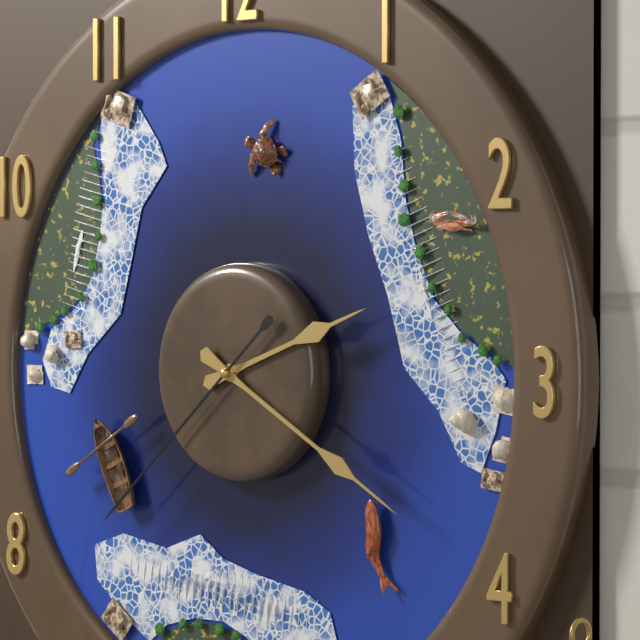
2:20:38
